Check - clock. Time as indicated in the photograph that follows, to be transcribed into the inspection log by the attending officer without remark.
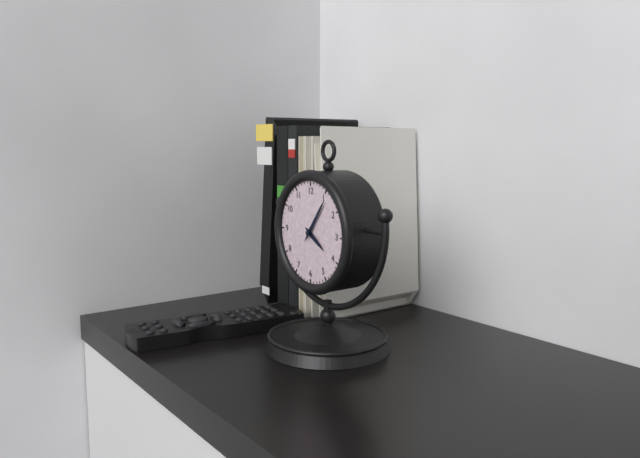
4:06
